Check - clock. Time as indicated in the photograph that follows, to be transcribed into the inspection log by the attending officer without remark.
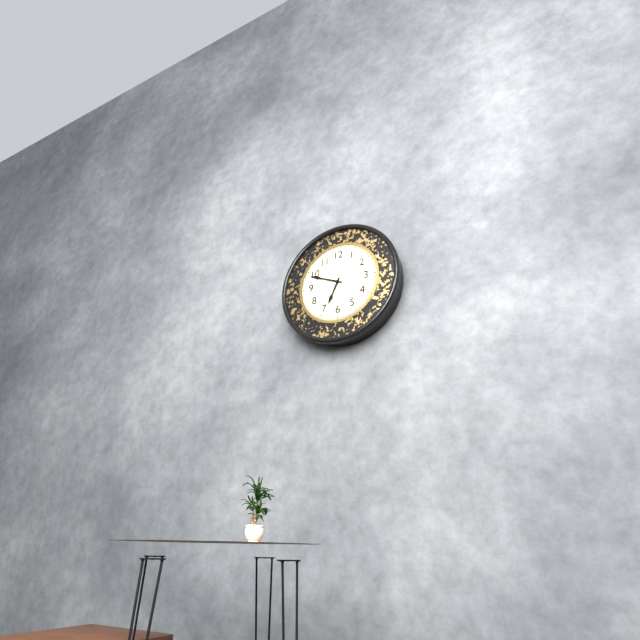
6:49
